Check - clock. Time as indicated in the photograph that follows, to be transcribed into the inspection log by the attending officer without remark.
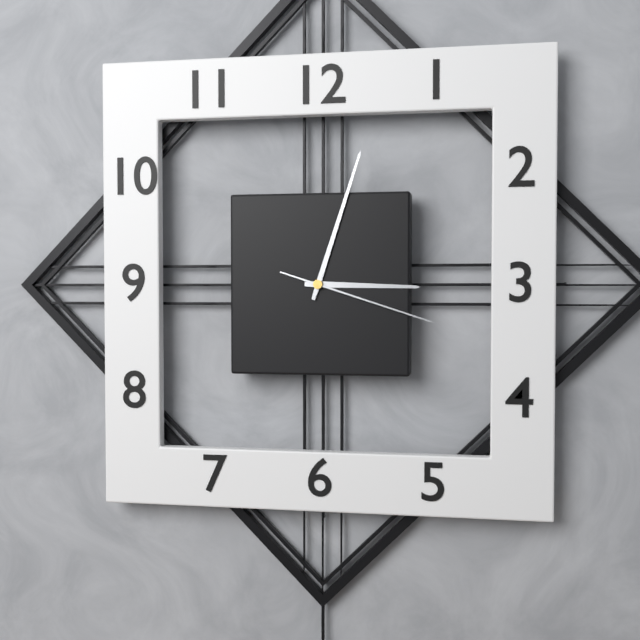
3:03:18
